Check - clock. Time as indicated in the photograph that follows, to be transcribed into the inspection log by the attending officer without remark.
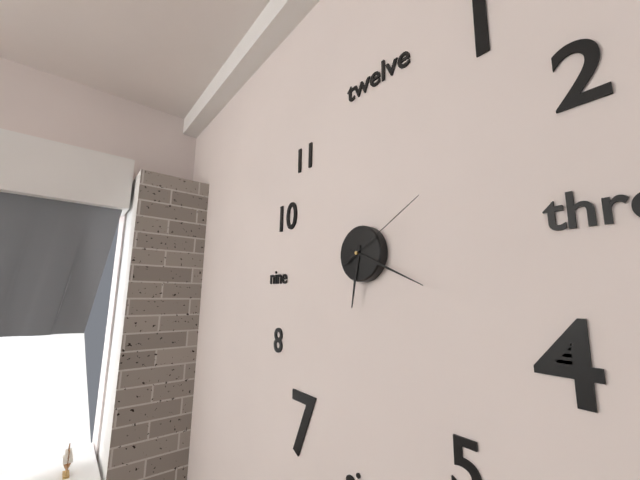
6:19:10
